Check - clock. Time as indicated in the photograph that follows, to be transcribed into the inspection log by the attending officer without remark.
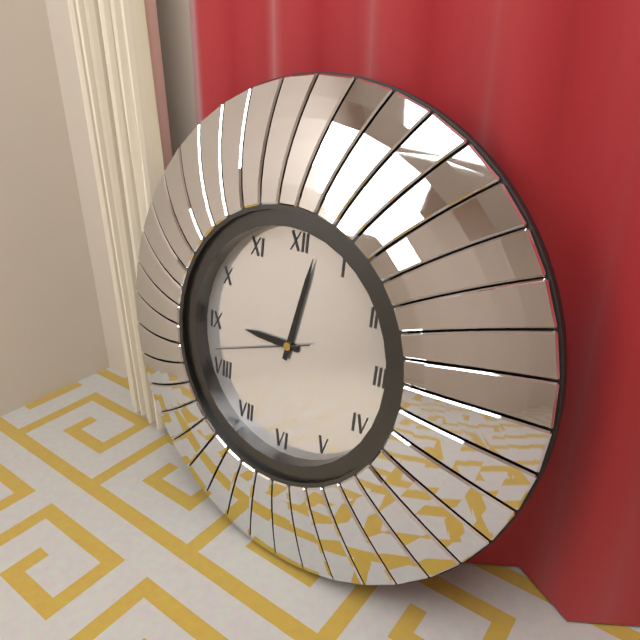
9:02:42
